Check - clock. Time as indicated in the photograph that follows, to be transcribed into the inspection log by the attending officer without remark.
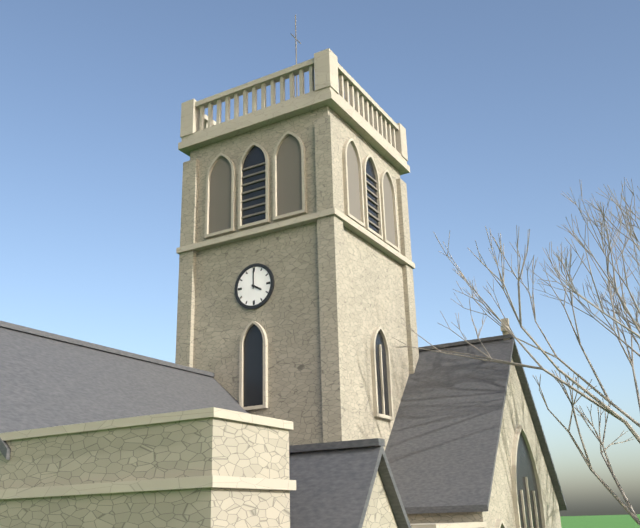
4:00
